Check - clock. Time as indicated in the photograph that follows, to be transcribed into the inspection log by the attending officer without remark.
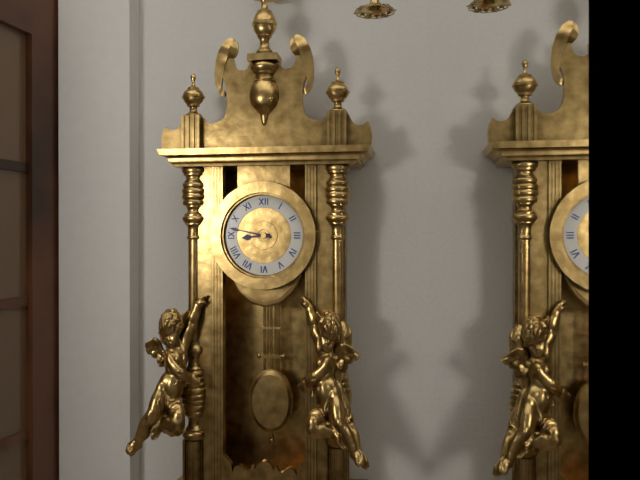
8:47
